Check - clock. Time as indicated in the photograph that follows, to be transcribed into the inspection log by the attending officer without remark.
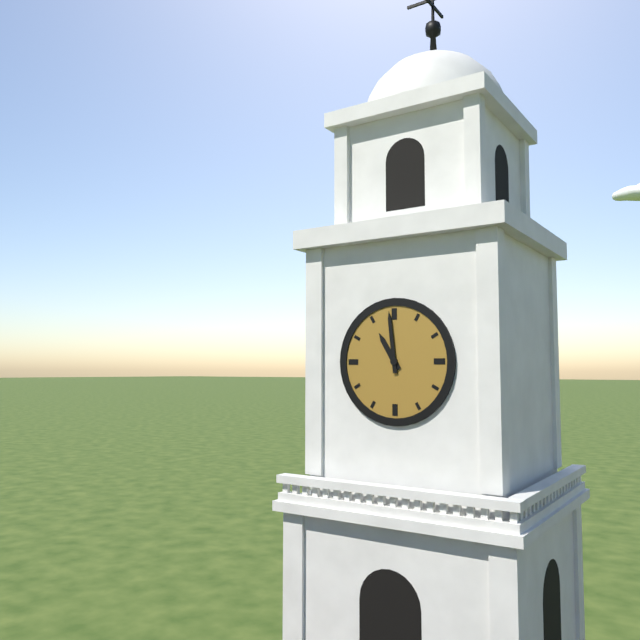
10:59
